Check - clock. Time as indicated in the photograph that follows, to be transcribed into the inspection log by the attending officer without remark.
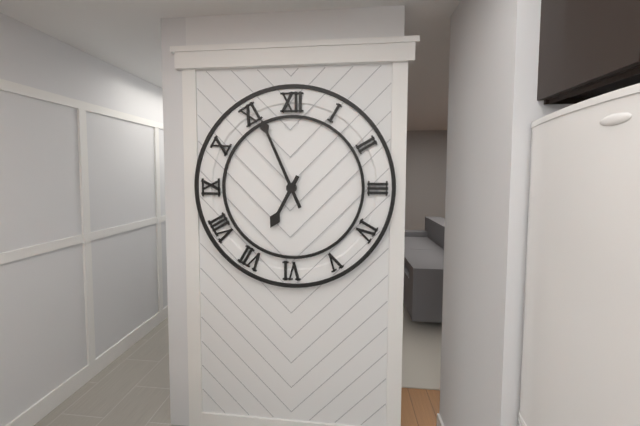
6:56
